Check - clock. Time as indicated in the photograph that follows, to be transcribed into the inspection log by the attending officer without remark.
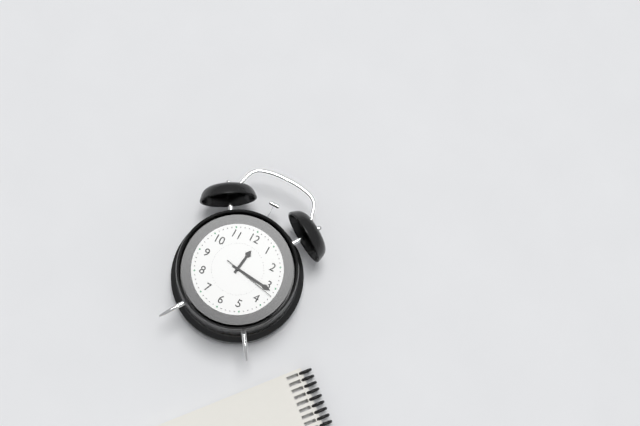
12:16:17
